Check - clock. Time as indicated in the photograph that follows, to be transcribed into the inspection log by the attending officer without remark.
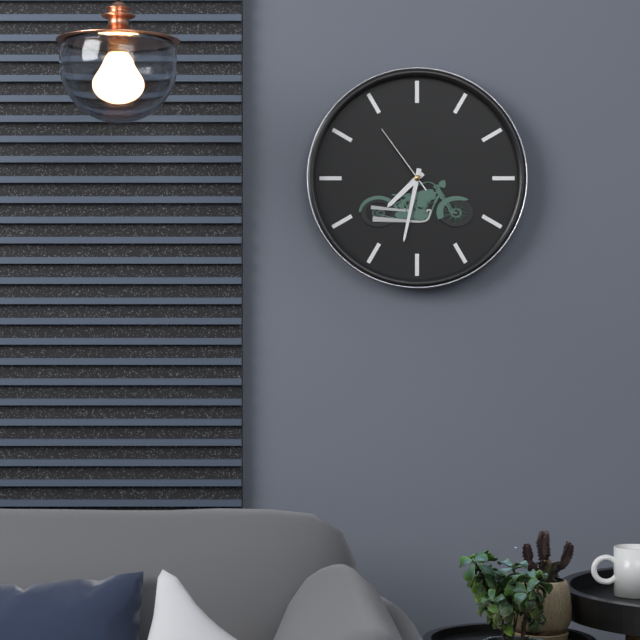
7:32:54
